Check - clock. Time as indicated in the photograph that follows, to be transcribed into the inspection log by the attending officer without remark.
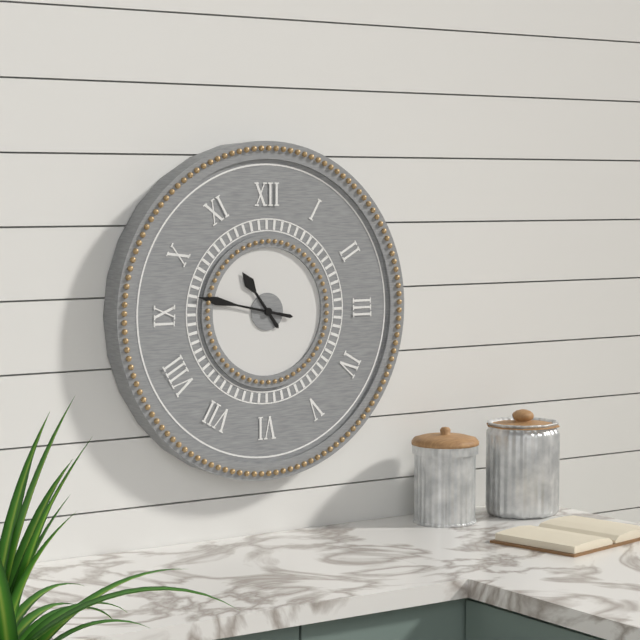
10:47
